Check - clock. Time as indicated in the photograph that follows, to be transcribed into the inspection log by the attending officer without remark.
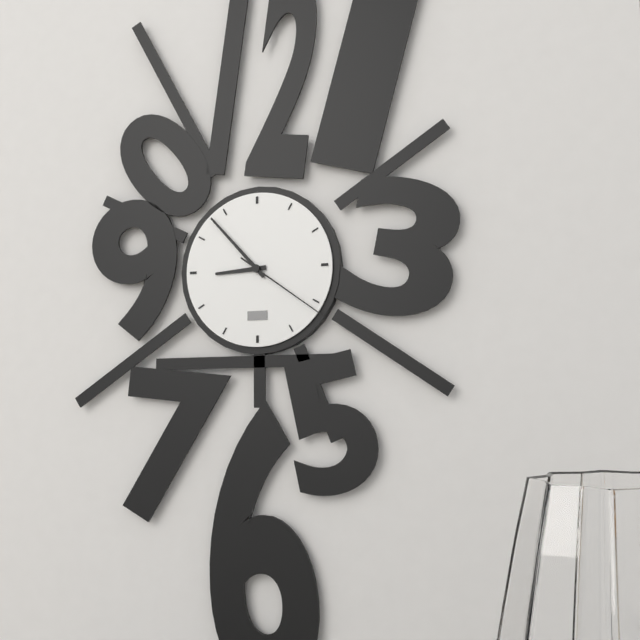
8:53:21
